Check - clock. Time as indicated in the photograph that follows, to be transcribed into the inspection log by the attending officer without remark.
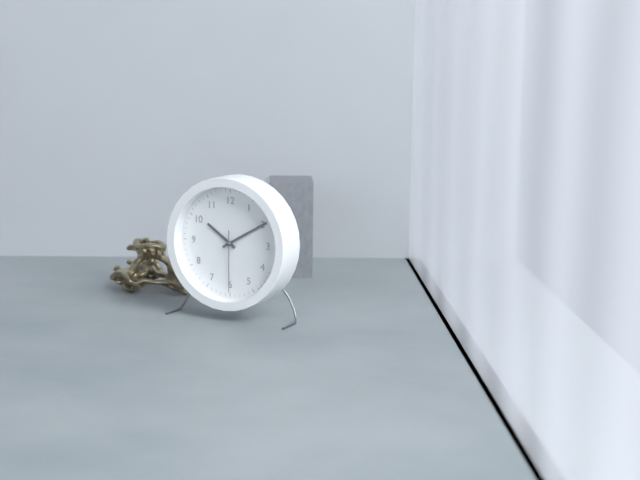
10:10:30
